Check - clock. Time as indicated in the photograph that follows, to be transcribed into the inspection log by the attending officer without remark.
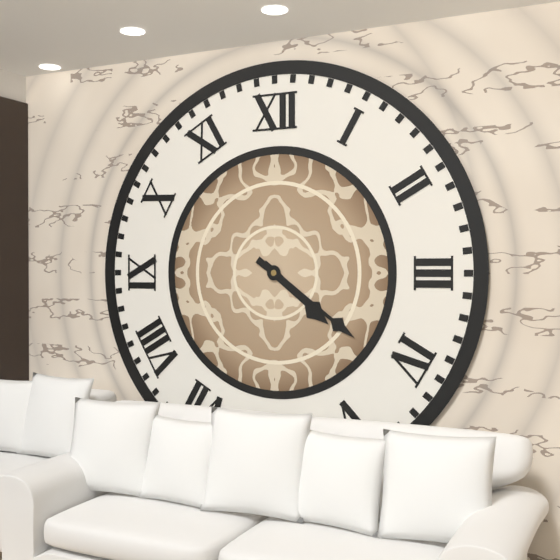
4:21
